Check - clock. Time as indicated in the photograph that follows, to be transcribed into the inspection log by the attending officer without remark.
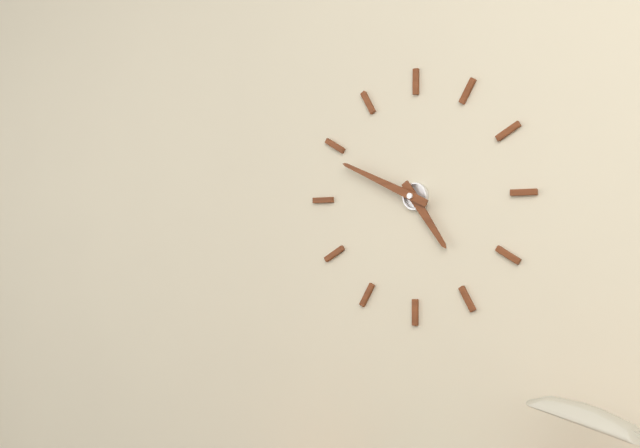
4:49
